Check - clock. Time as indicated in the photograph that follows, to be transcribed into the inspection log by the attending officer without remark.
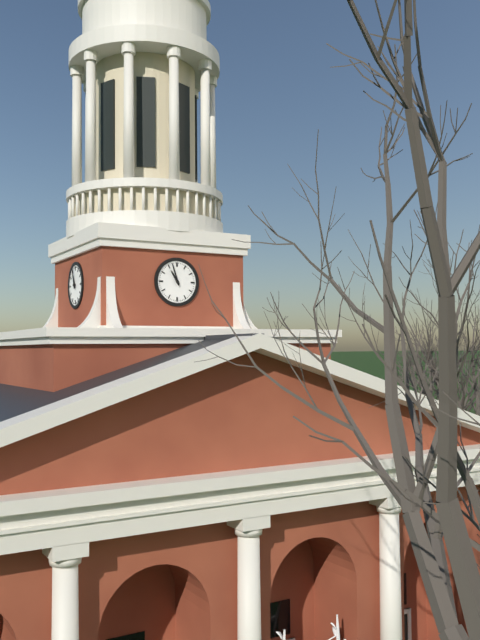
10:57
